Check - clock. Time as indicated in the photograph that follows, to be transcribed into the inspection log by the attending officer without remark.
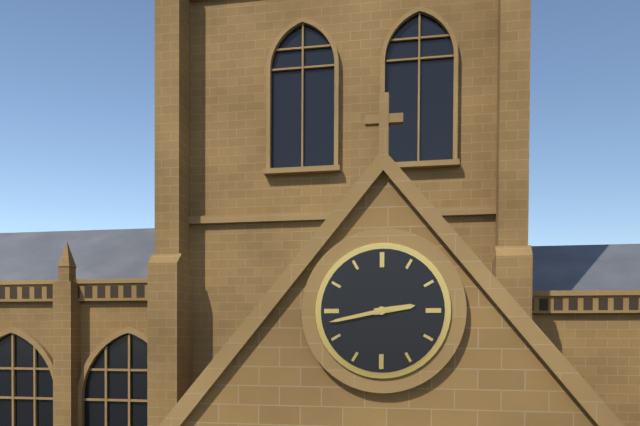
2:43
